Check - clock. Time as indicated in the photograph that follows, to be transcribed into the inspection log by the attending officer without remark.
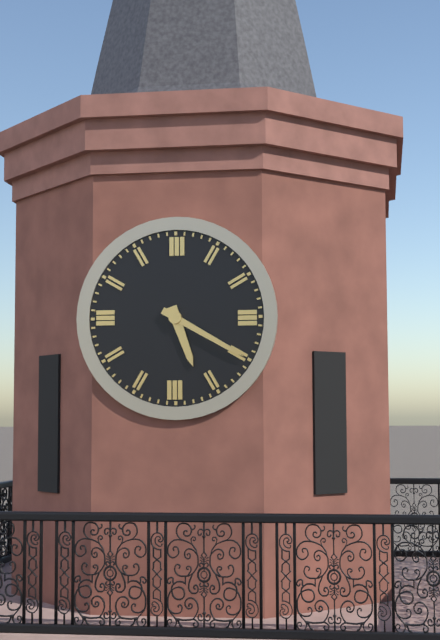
5:20
